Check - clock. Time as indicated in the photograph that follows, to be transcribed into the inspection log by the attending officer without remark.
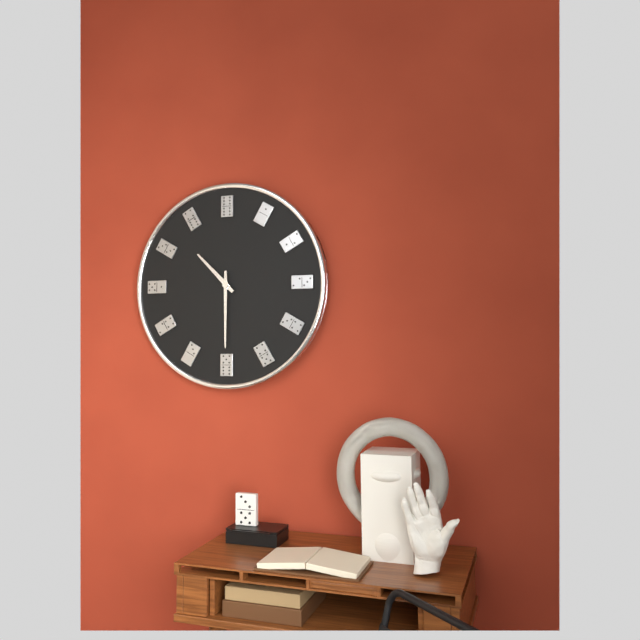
10:30
